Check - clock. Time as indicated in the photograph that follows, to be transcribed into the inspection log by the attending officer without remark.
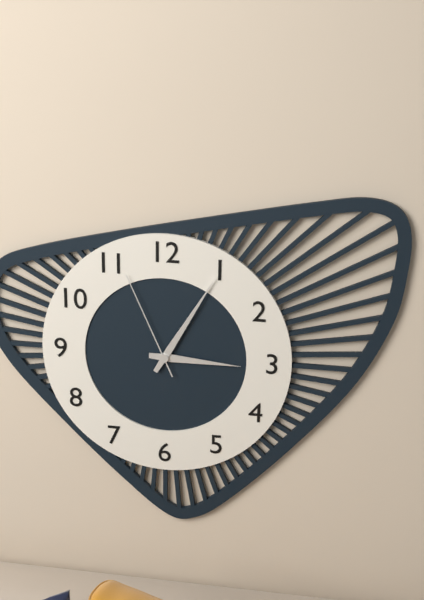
3:05:56
